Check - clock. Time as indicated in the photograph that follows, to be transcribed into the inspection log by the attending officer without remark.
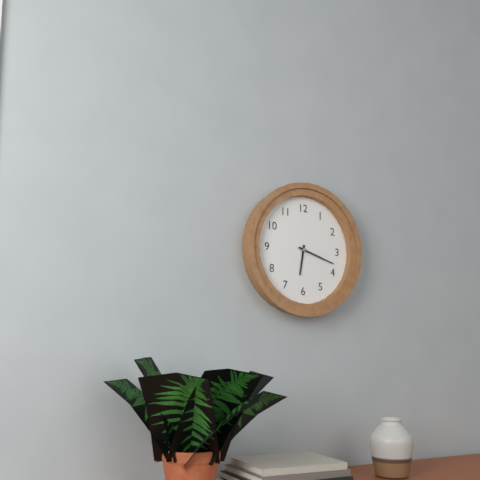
6:18
